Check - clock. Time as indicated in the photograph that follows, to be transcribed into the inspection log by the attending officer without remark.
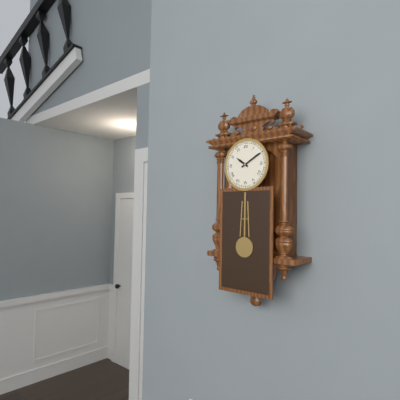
10:10
